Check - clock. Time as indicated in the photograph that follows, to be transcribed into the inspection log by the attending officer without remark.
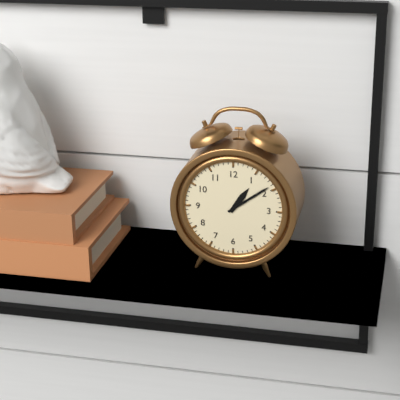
1:09
